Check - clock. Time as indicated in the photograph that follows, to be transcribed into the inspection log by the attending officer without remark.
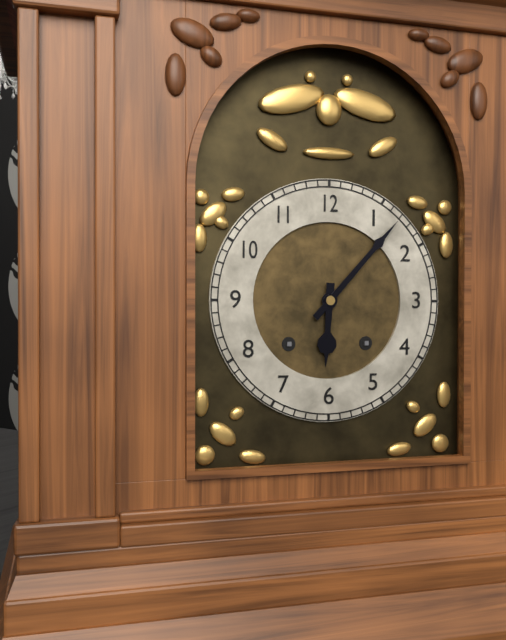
6:07
